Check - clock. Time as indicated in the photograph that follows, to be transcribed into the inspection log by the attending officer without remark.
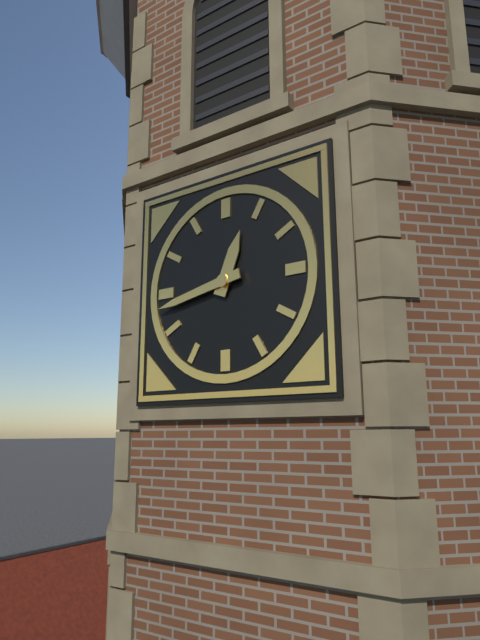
12:43
